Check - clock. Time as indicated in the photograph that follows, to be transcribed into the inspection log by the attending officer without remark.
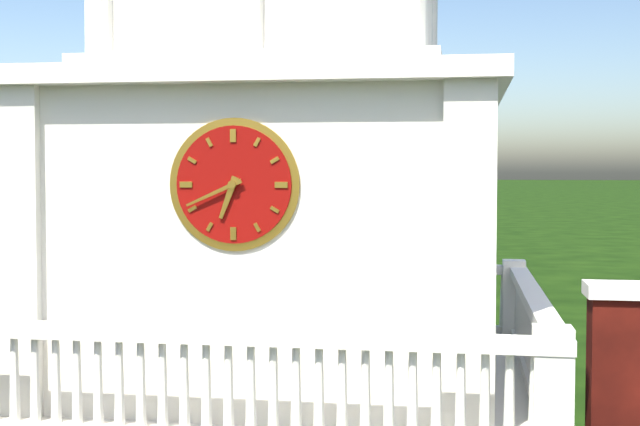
6:41
